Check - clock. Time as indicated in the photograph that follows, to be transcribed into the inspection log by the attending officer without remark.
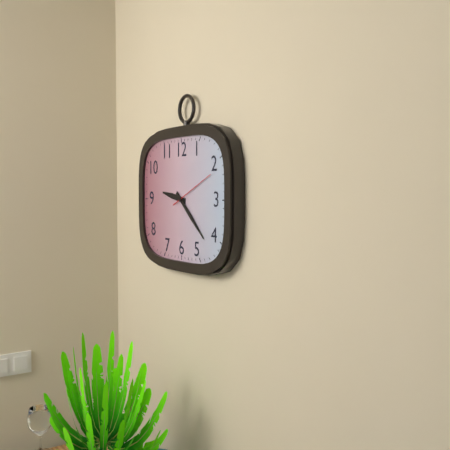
9:22
